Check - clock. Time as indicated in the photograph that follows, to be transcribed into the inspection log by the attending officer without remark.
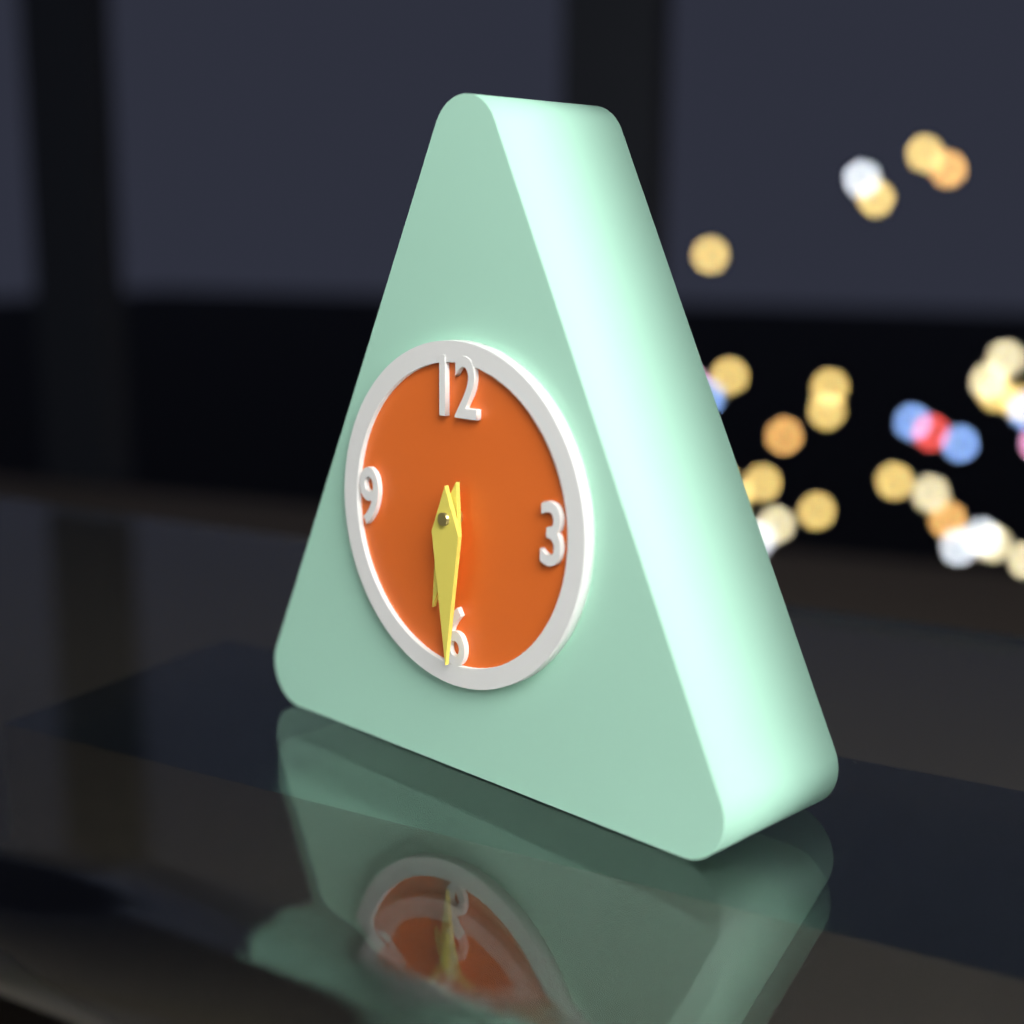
6:30
